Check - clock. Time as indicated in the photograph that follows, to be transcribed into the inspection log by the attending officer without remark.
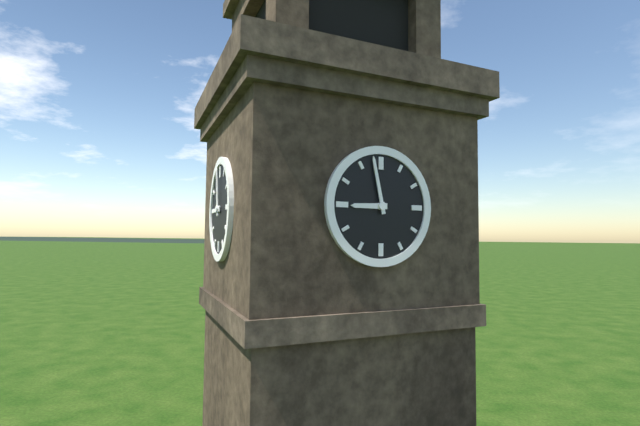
8:58
